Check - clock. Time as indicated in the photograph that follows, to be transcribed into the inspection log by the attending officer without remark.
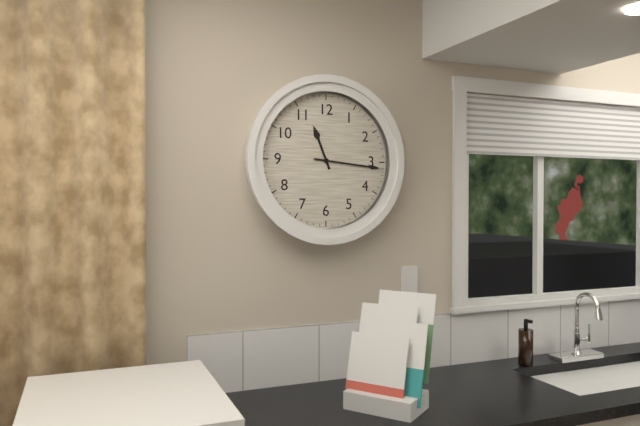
11:16
